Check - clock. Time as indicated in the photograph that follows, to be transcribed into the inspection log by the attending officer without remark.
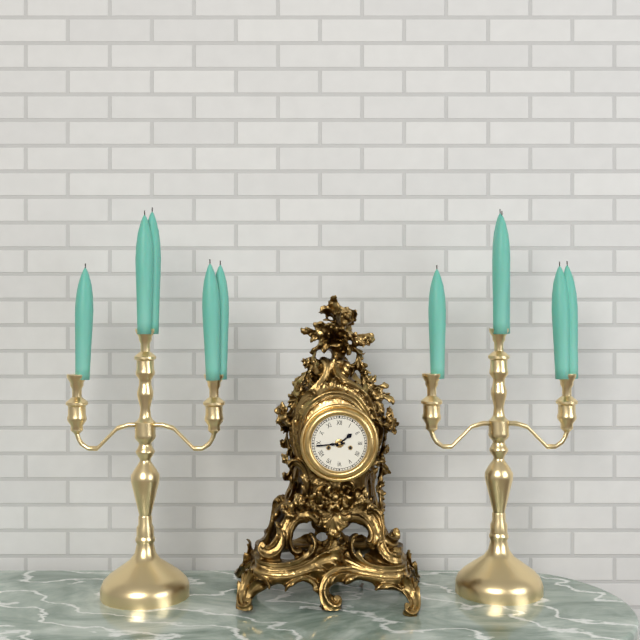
1:44
